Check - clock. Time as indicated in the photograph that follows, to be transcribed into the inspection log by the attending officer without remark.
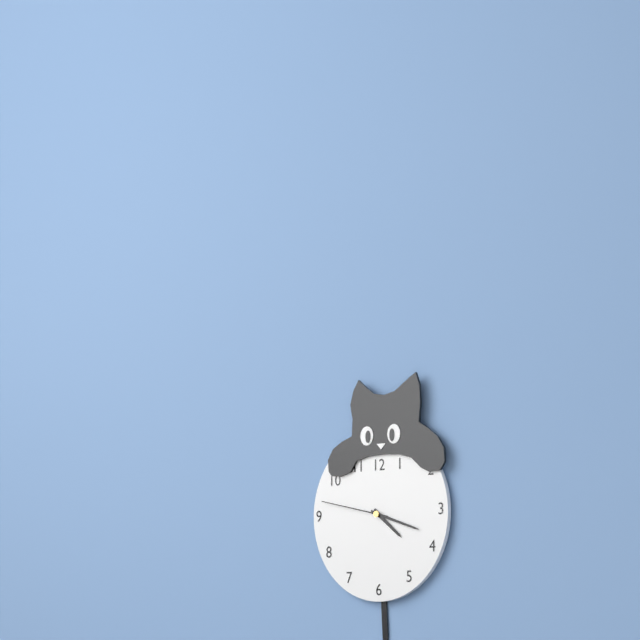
4:18:47
